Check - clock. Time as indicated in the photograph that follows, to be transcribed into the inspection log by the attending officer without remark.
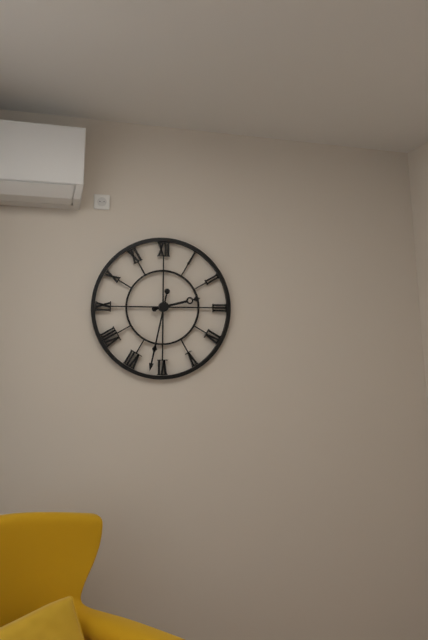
2:32
